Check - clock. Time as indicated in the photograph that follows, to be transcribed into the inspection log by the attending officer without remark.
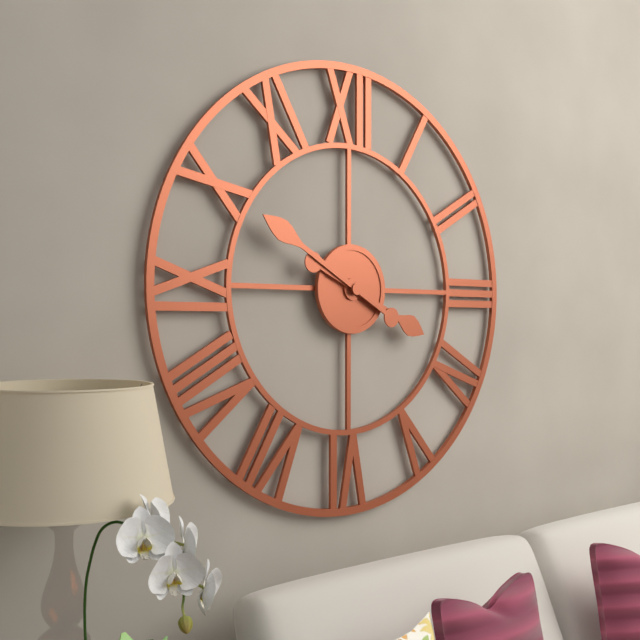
3:50
